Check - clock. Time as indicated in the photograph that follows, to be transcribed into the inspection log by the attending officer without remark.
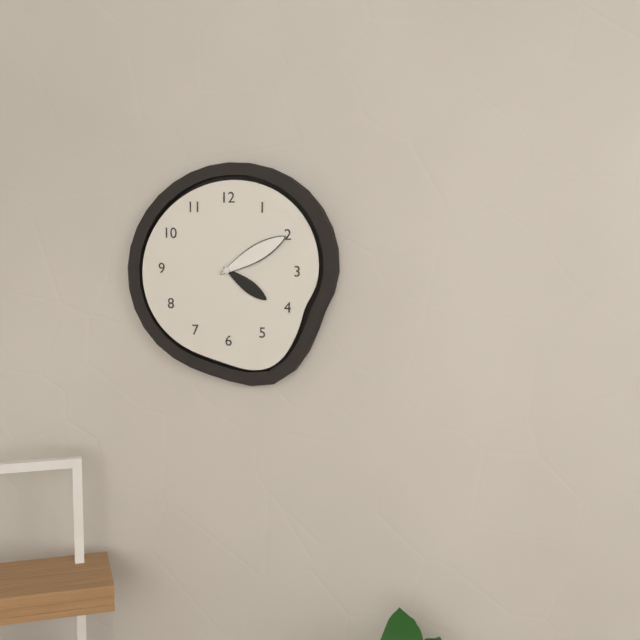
4:10
